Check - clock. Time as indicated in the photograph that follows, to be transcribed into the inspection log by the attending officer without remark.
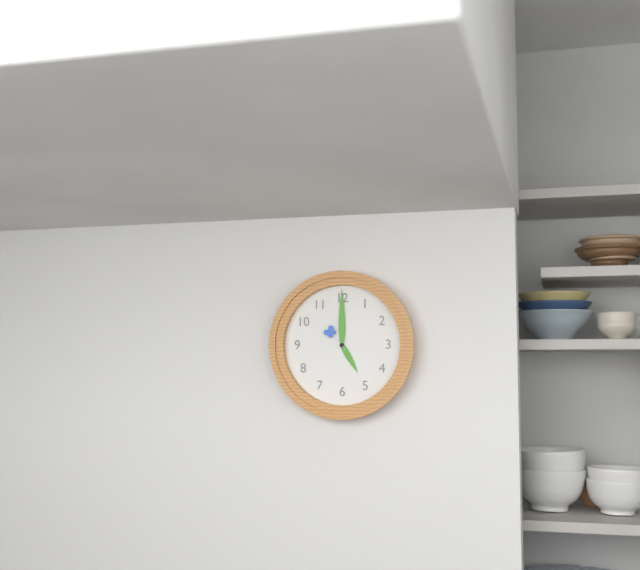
5:00
